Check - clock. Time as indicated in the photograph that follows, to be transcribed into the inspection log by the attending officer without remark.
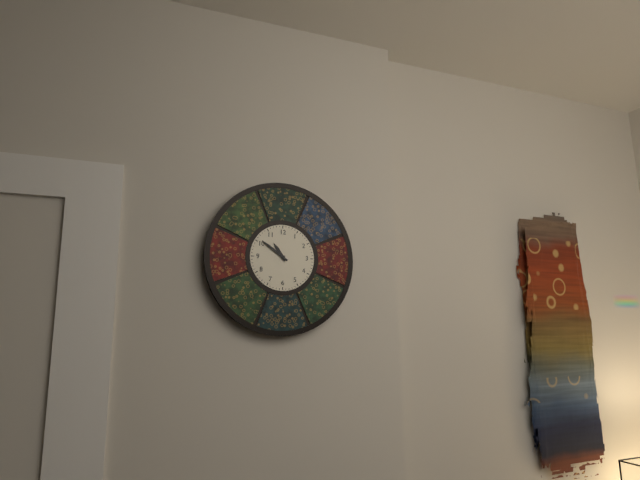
10:51
